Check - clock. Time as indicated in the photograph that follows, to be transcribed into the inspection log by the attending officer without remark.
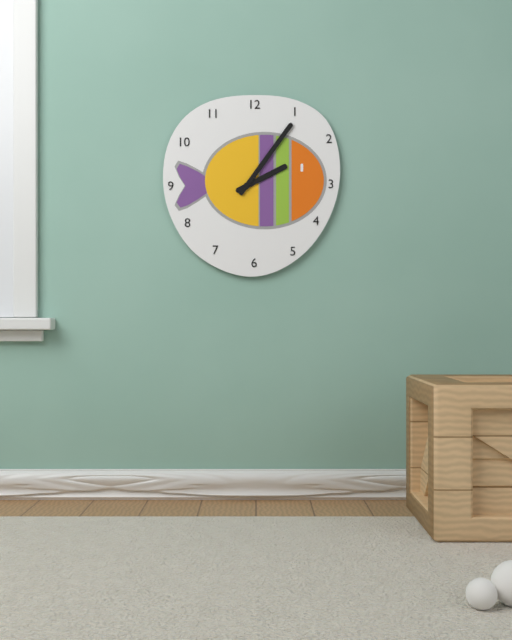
2:06
